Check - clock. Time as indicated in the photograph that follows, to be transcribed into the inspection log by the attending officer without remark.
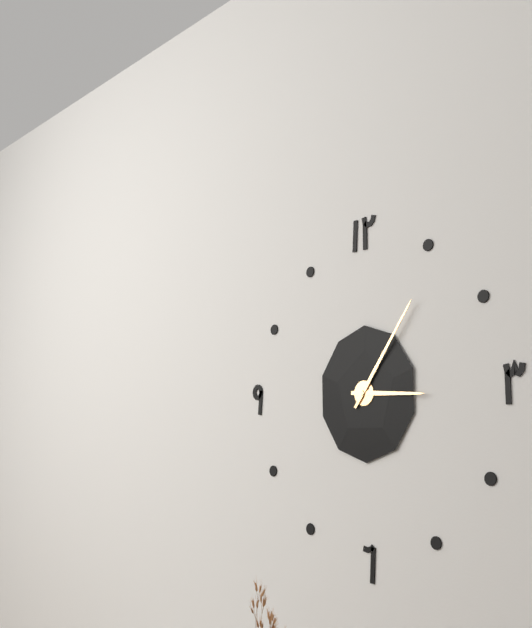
3:06
